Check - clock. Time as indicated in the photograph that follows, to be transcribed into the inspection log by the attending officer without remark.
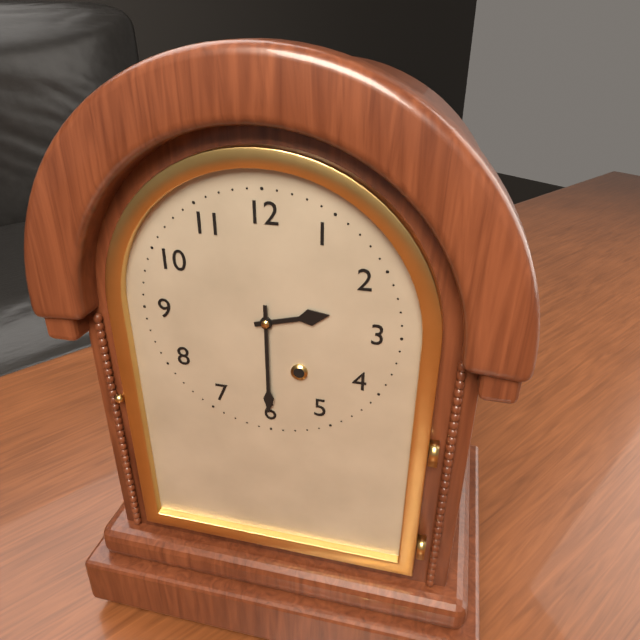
2:30
